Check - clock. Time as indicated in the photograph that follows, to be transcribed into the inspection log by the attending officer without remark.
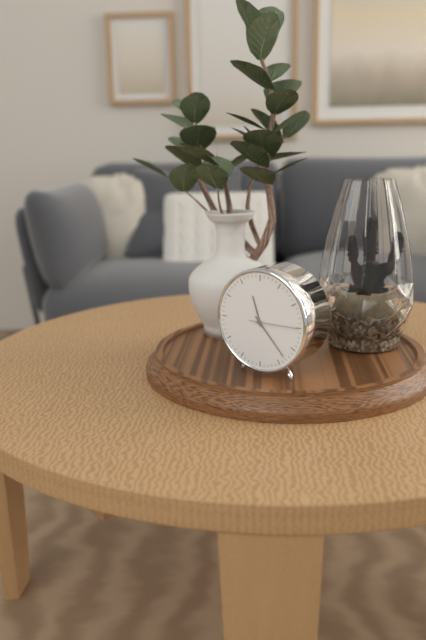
11:23
